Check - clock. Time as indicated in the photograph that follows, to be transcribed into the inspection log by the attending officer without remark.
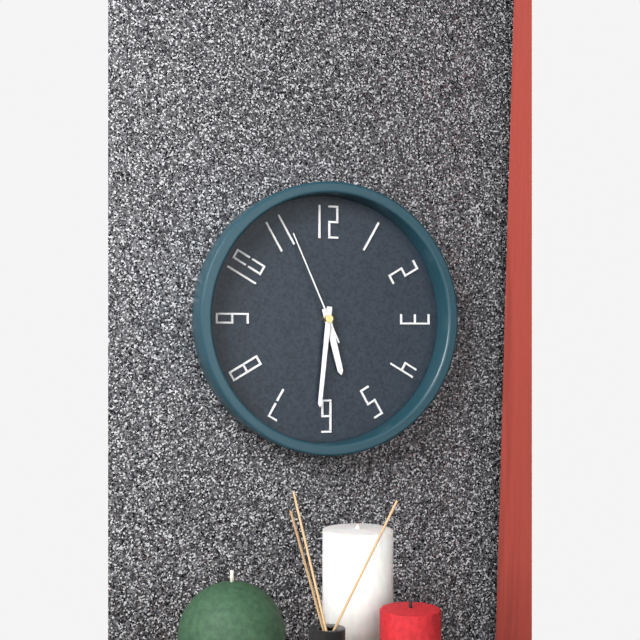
5:31:56
